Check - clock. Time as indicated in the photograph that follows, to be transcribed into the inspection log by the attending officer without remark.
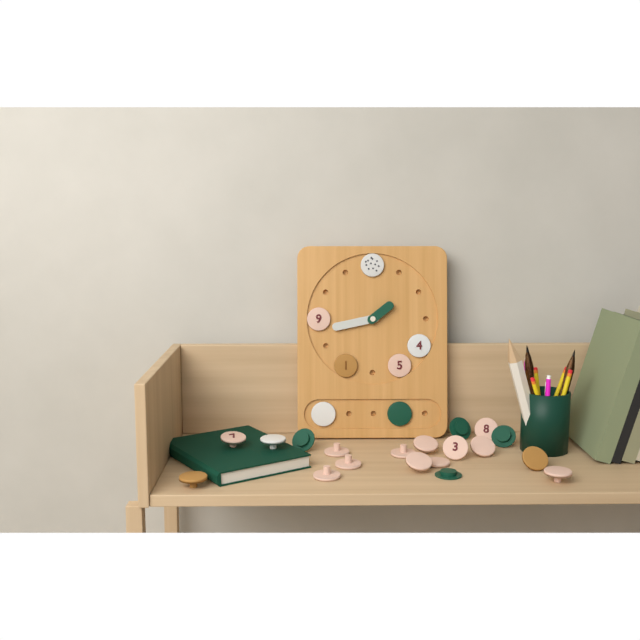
1:43
